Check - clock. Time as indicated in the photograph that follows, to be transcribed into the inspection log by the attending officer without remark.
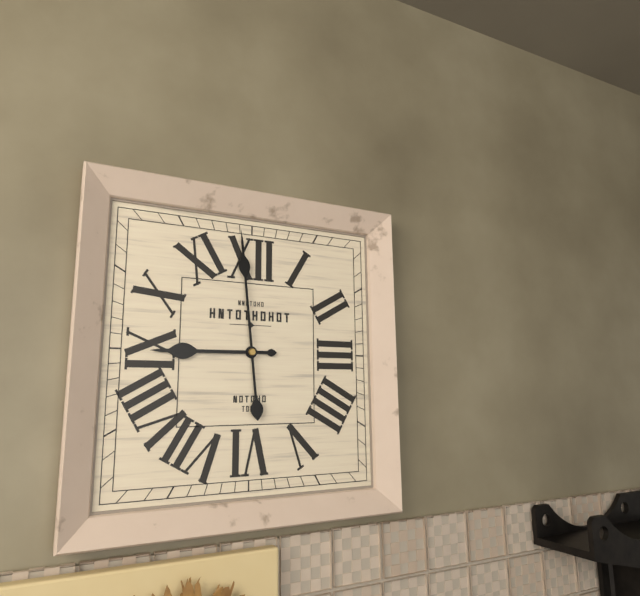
8:59
